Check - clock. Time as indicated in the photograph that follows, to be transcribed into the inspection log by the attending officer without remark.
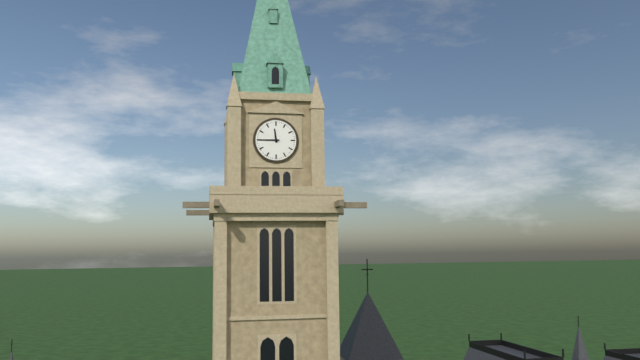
11:45
